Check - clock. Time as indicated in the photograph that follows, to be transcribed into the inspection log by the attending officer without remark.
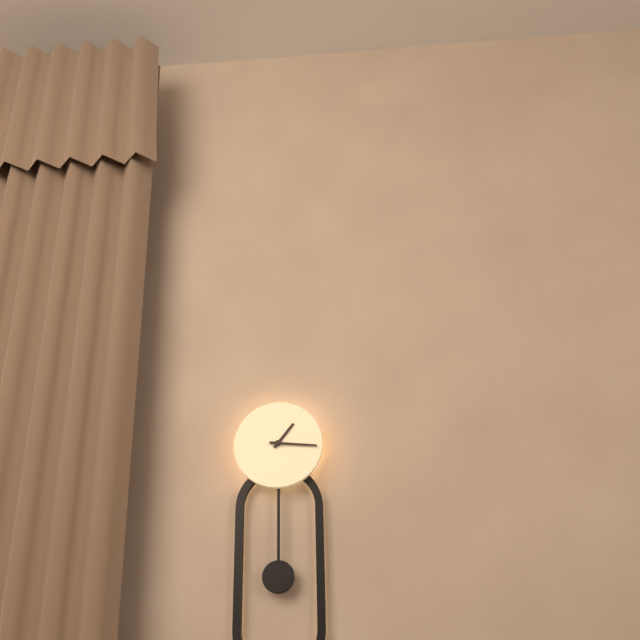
1:16
